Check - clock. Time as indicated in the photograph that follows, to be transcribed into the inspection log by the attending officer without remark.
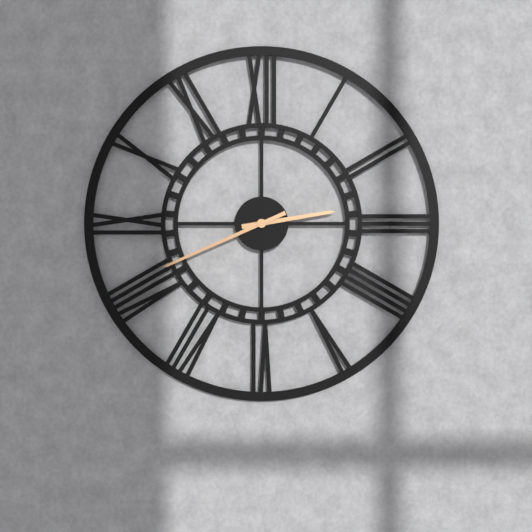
2:41
